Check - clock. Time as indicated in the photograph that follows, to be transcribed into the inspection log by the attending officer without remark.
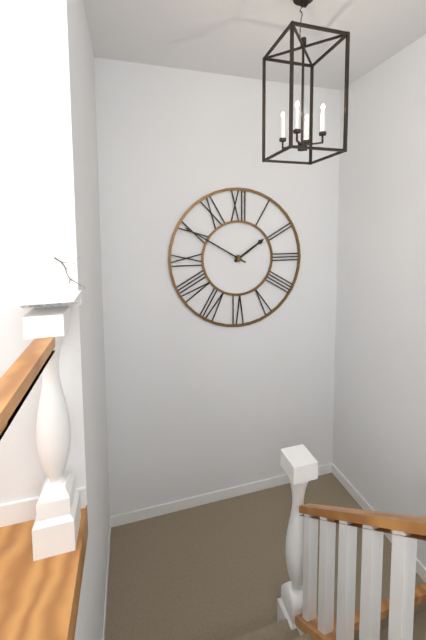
1:50
